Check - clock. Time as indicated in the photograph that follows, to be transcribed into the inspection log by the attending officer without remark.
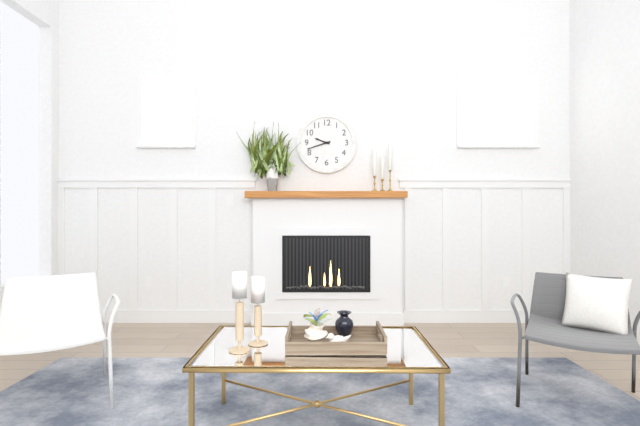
9:42
